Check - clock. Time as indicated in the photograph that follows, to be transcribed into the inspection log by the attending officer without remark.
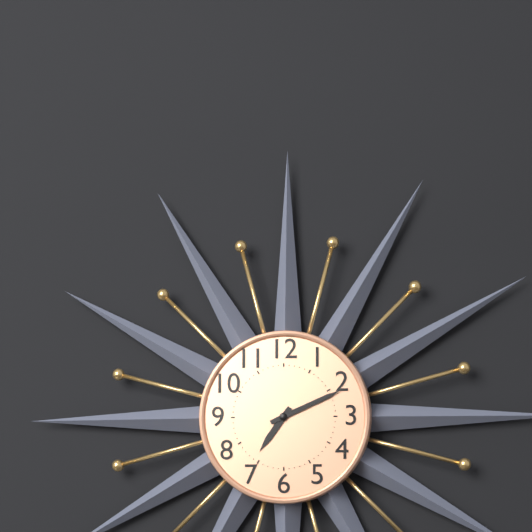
7:11
